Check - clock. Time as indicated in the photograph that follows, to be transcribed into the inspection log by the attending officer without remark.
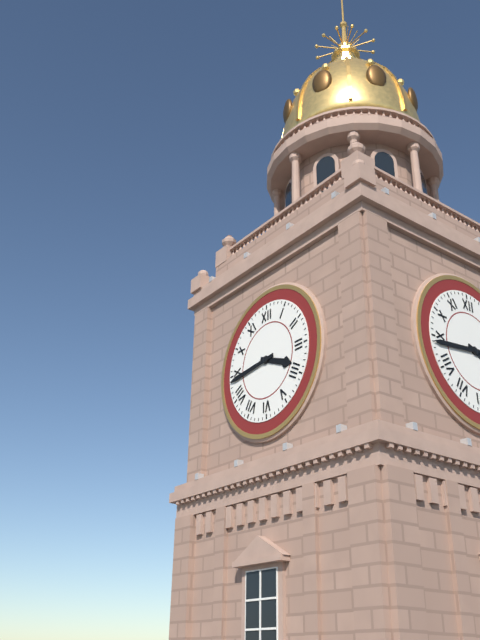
3:44
